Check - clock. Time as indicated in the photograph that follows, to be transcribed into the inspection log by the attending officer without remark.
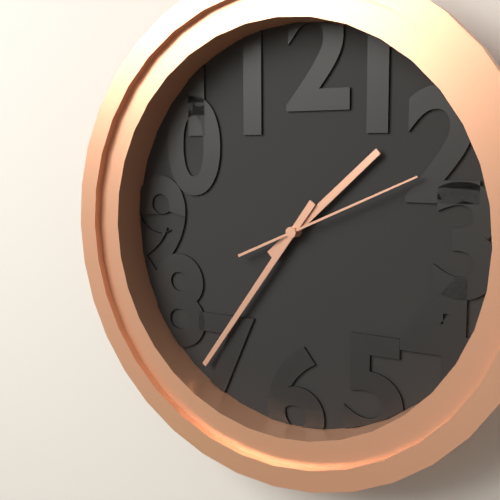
1:36:11
